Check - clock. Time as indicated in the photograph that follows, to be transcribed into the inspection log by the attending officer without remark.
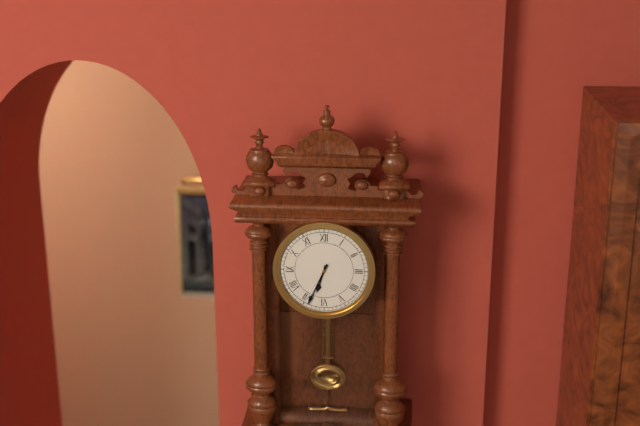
6:34
